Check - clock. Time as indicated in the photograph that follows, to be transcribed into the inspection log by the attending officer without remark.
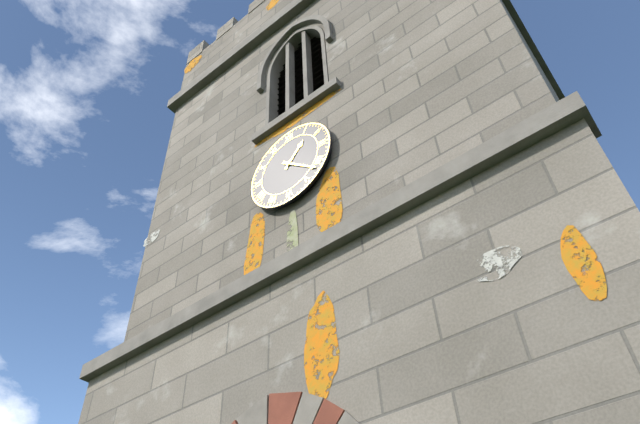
1:22
